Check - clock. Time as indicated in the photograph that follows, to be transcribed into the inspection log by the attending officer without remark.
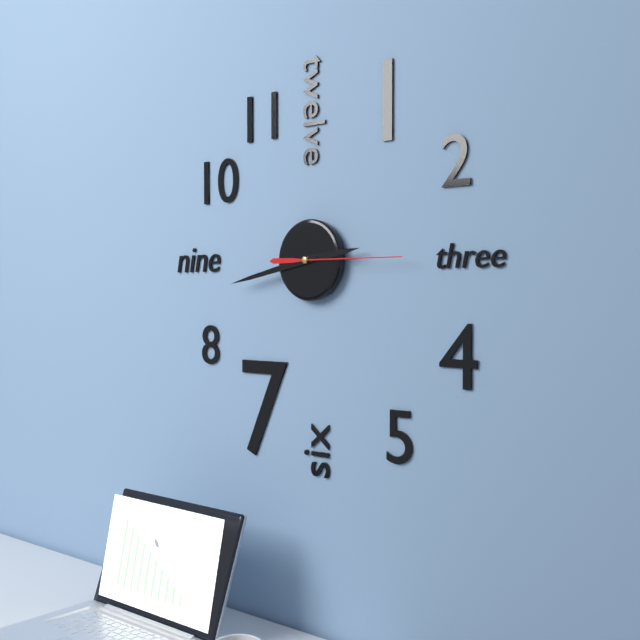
2:43:15
